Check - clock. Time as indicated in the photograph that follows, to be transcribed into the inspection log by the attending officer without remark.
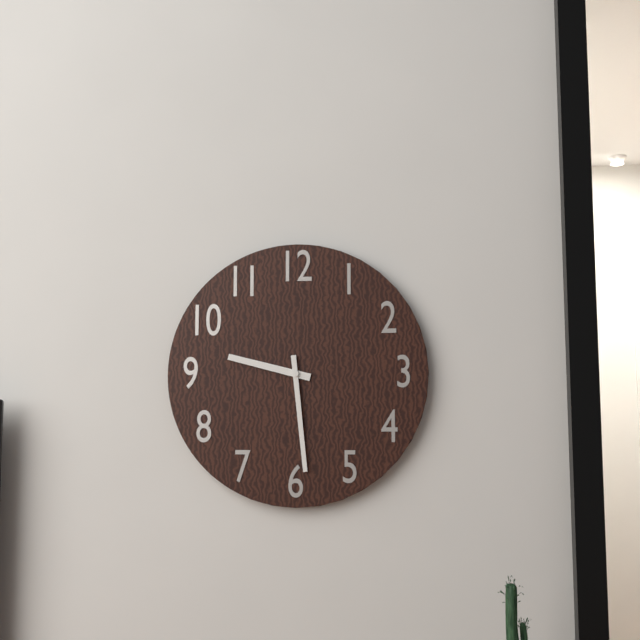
9:29
